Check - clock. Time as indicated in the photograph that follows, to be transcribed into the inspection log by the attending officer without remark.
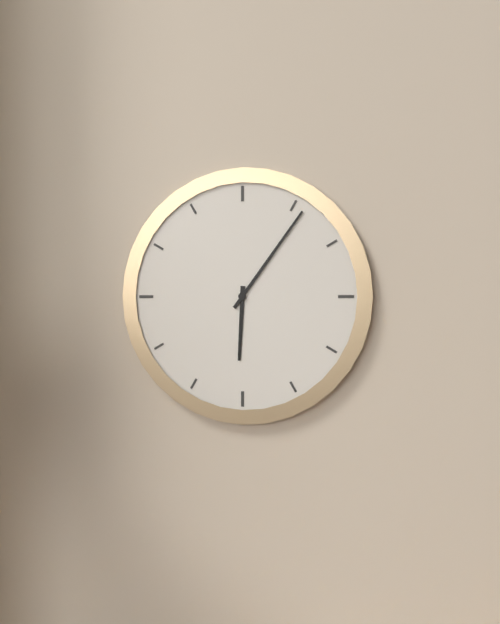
6:06
